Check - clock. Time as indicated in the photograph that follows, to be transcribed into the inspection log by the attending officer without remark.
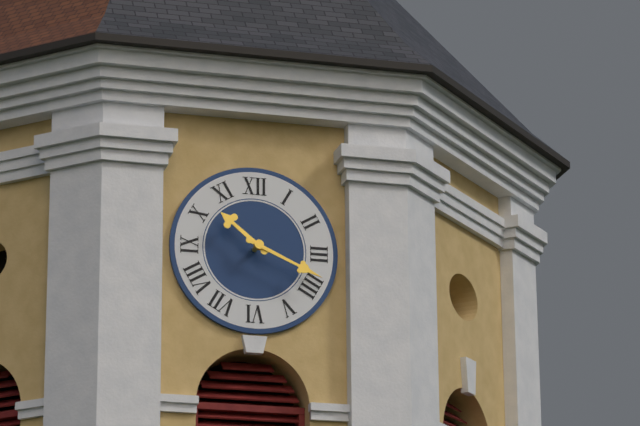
10:19
